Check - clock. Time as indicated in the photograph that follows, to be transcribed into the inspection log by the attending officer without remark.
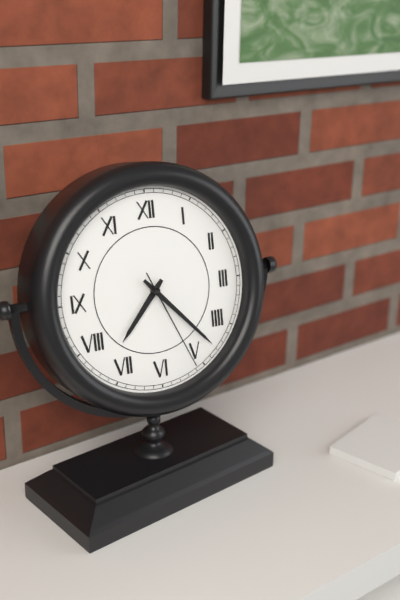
7:23:26
